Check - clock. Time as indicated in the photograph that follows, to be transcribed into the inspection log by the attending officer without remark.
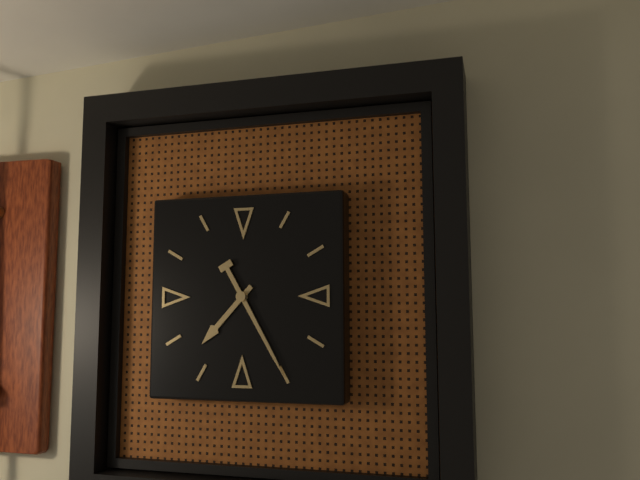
7:25
